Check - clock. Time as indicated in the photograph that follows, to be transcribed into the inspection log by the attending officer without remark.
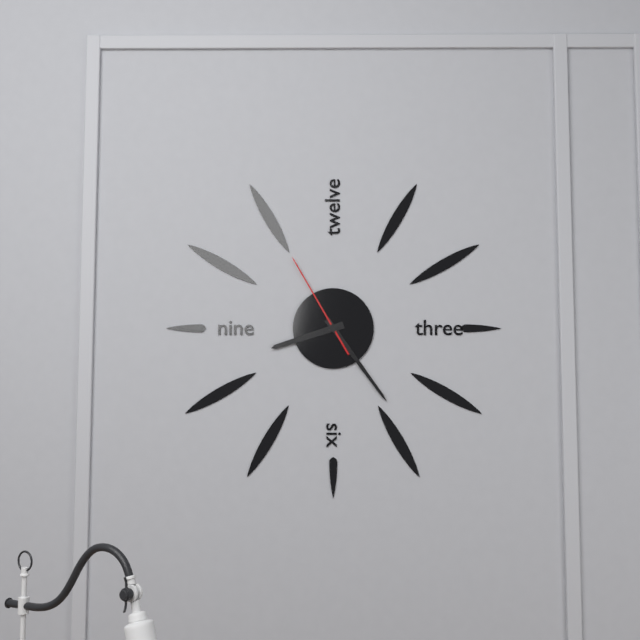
8:24:55
